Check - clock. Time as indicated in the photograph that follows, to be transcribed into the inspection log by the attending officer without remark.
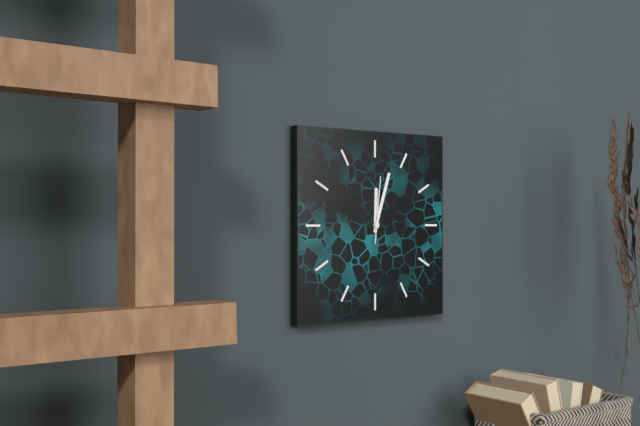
12:03:01
